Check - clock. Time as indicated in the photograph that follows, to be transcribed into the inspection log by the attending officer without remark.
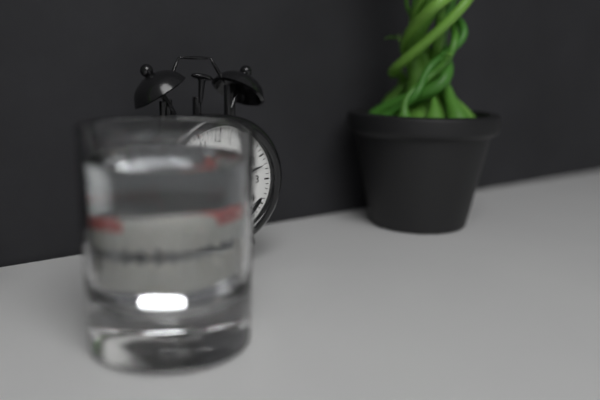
3:12
